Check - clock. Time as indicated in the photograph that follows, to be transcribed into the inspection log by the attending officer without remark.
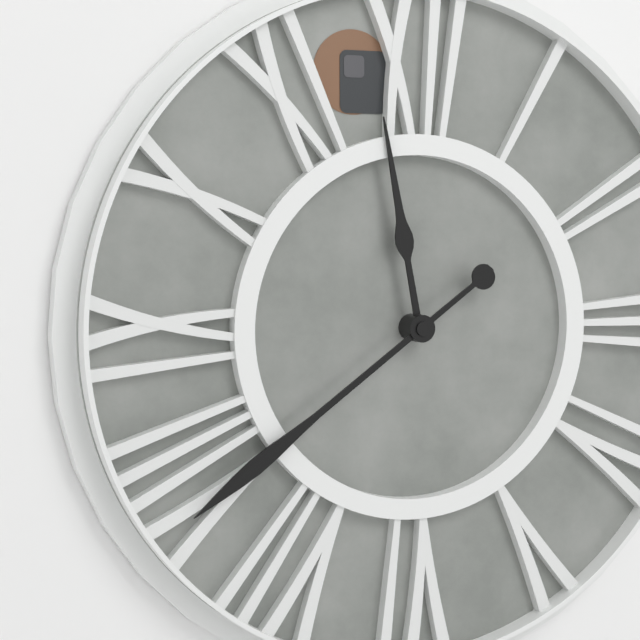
11:39
